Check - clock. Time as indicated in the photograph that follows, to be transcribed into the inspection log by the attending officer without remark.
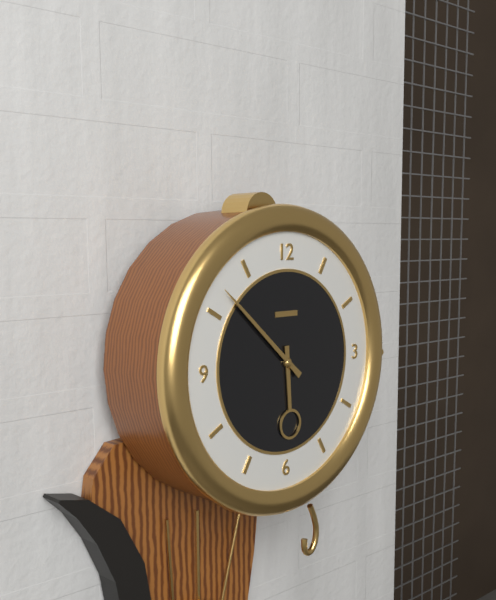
5:52
